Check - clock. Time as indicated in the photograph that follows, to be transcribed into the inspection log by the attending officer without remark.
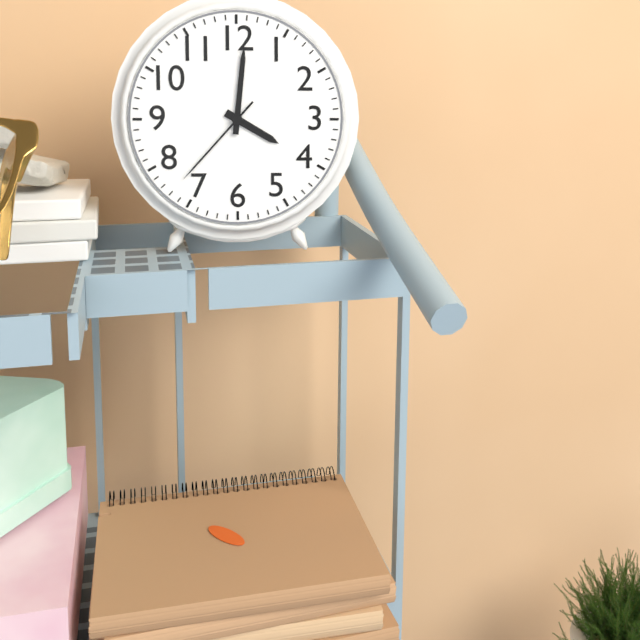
4:01:37
